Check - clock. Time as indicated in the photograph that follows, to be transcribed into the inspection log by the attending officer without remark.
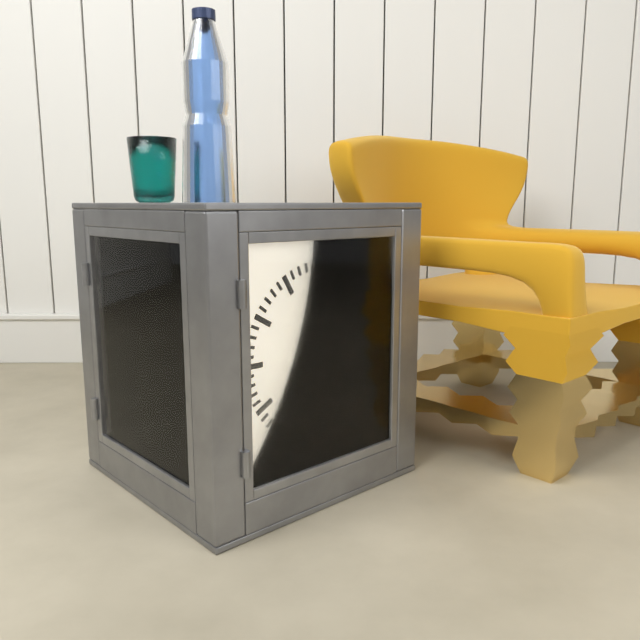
3:04
